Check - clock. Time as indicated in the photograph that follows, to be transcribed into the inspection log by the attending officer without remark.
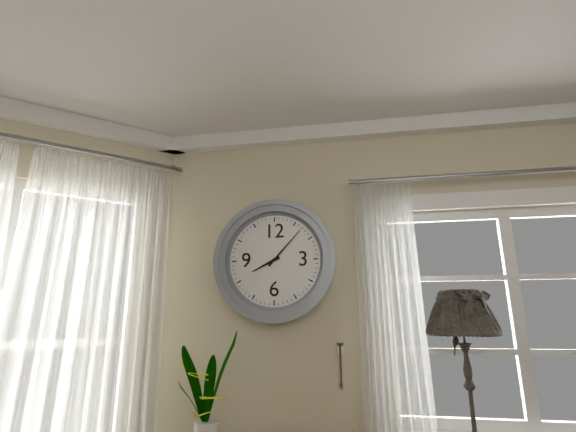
8:07
